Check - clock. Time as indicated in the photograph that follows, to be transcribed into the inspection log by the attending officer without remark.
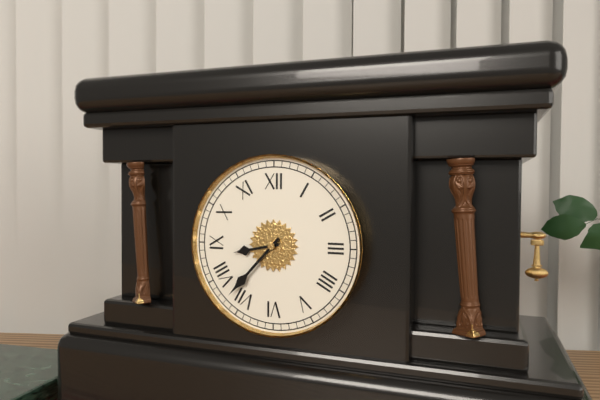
8:37
